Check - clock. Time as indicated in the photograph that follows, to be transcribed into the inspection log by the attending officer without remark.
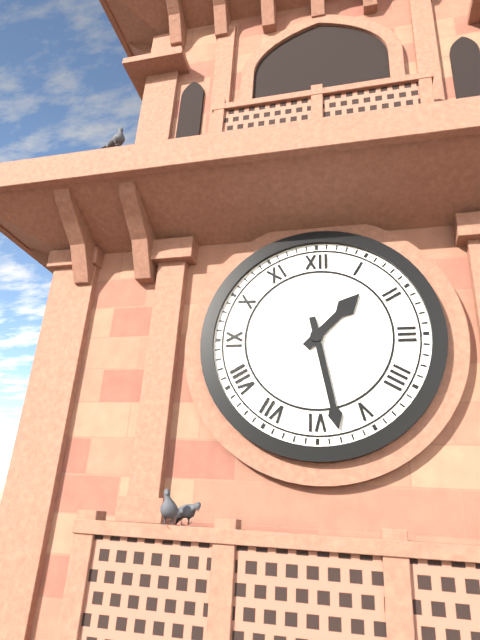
1:28
